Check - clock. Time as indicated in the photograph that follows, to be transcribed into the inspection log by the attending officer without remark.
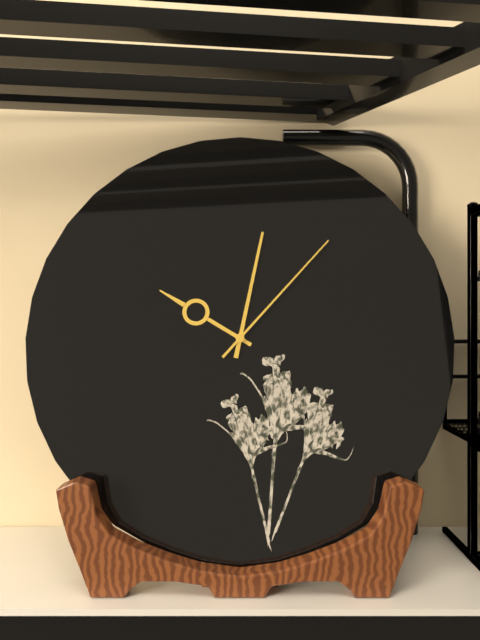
10:02:07
